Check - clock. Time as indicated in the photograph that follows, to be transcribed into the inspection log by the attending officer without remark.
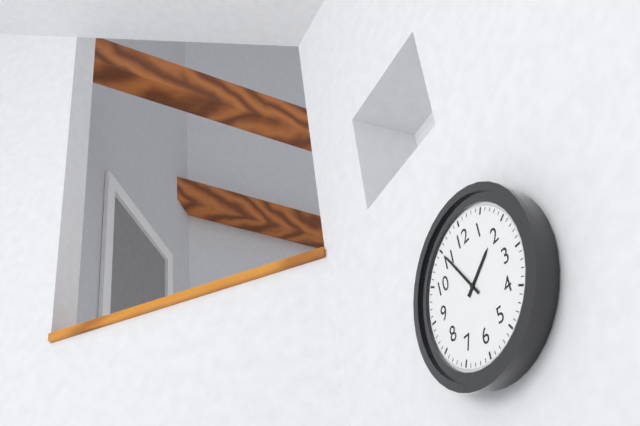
1:55
